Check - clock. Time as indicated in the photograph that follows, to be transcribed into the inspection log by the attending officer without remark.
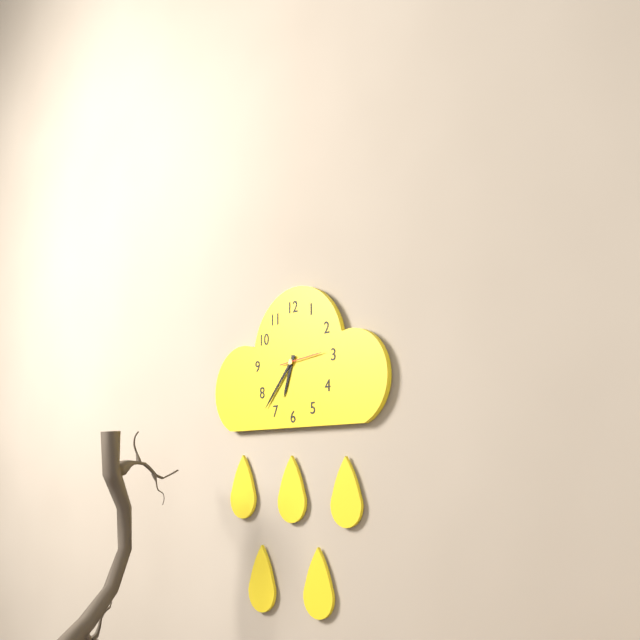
6:37
